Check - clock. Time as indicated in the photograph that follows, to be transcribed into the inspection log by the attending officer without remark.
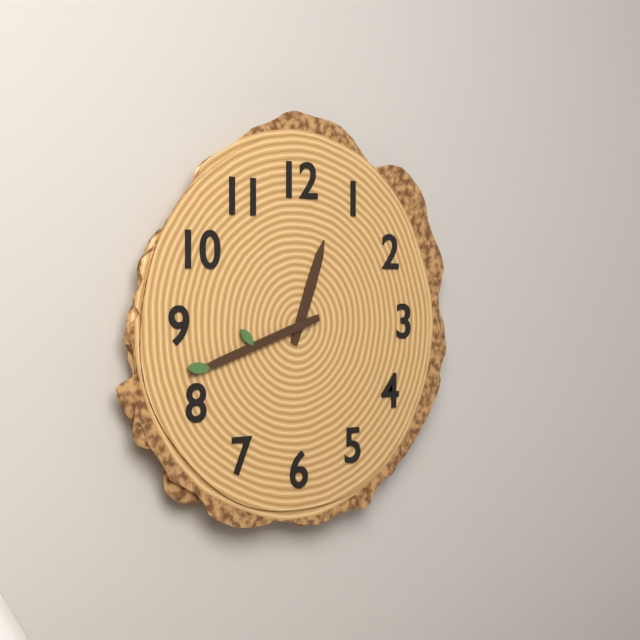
12:42
